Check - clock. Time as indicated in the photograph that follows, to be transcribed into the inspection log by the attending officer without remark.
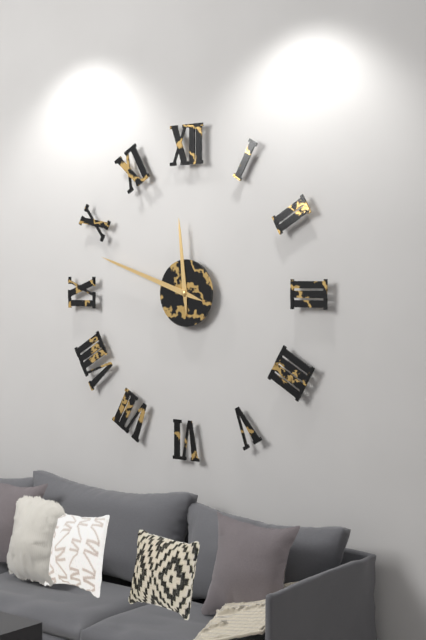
11:48
